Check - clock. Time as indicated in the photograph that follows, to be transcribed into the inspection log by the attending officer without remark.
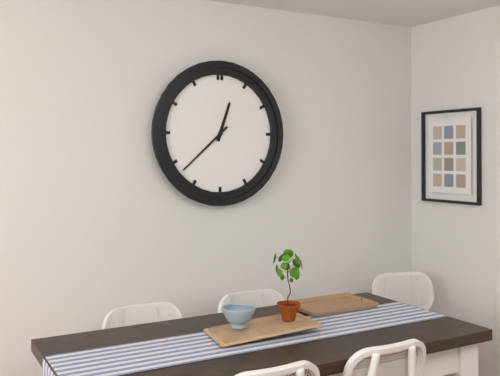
12:38
